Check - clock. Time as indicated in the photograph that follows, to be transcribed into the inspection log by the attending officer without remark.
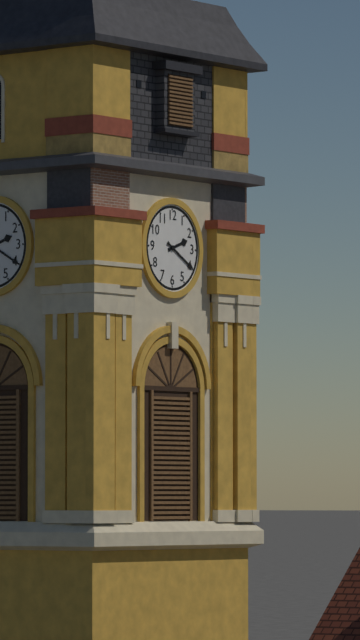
2:20
